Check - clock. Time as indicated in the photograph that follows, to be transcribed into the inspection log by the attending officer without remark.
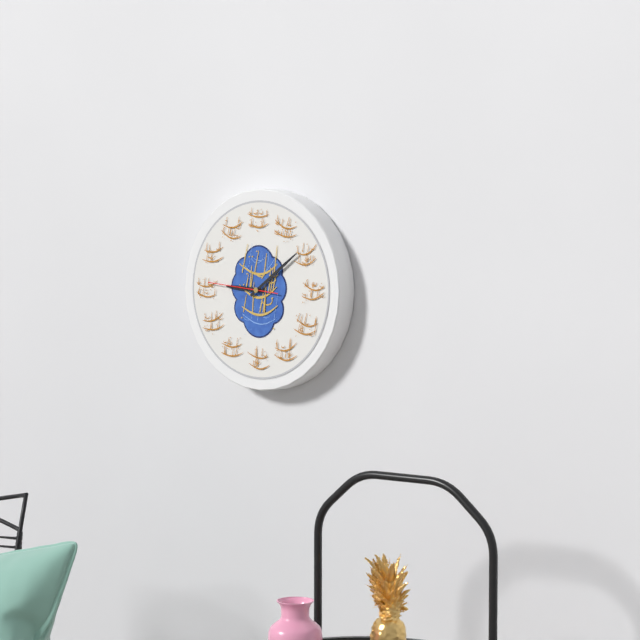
9:09:46
